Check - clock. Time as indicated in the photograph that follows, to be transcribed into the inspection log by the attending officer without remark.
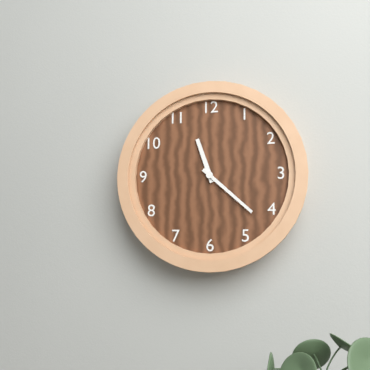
11:22
